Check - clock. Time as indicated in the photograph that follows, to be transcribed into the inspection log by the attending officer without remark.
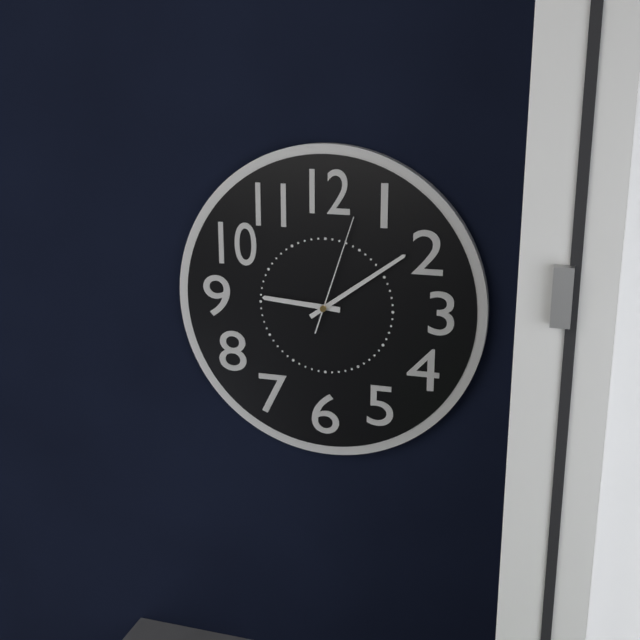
9:09:03
